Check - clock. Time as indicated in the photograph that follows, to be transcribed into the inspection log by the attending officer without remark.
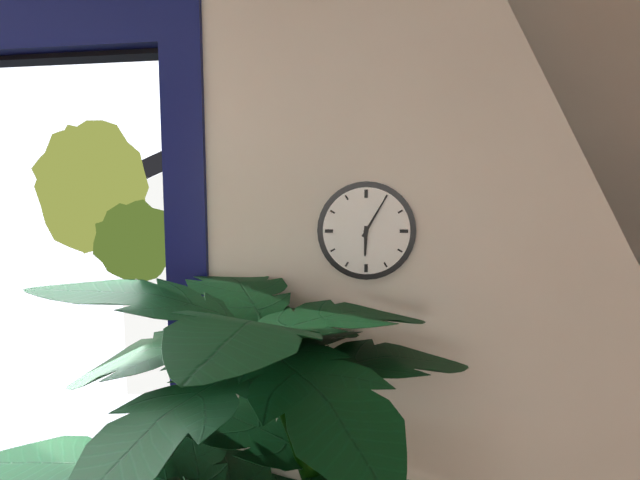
6:05
